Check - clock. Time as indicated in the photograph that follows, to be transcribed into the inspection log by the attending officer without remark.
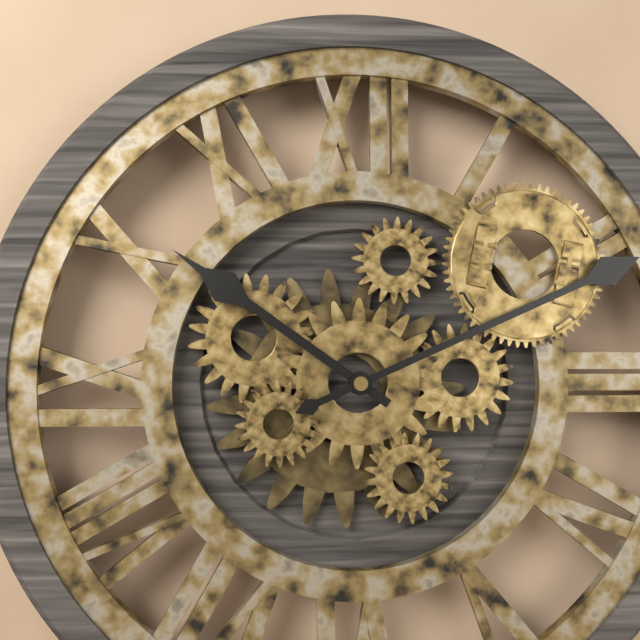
10:11
